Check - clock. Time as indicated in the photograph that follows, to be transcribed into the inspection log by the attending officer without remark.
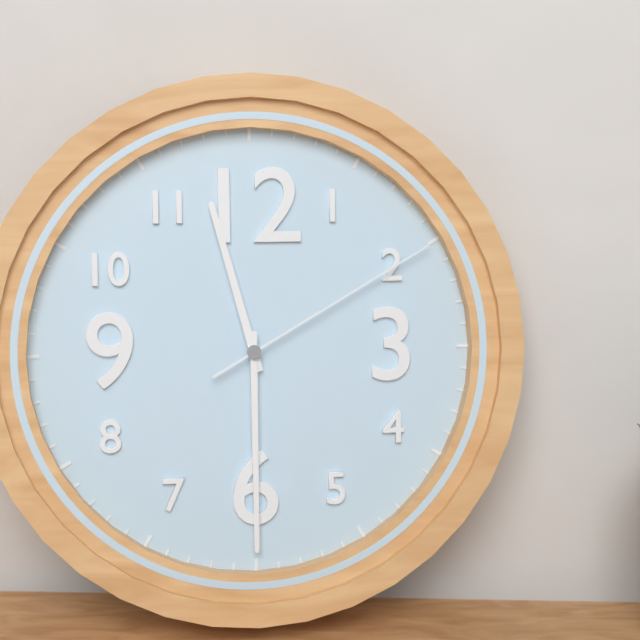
11:30:10
